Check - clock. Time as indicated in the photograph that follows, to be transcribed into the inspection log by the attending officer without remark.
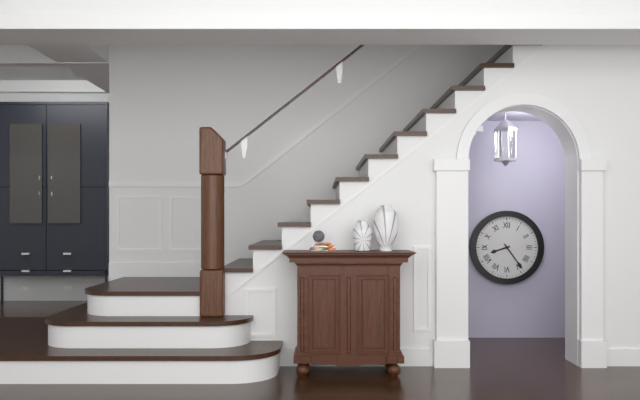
8:24
